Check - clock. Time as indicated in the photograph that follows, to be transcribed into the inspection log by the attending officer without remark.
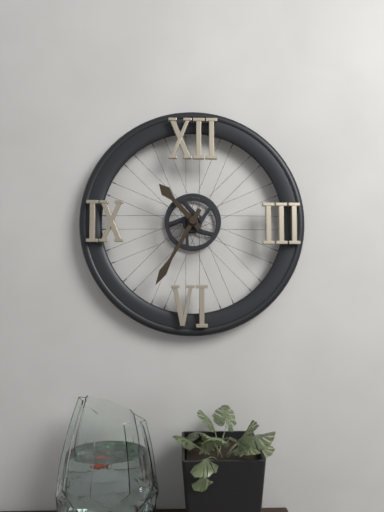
10:35
